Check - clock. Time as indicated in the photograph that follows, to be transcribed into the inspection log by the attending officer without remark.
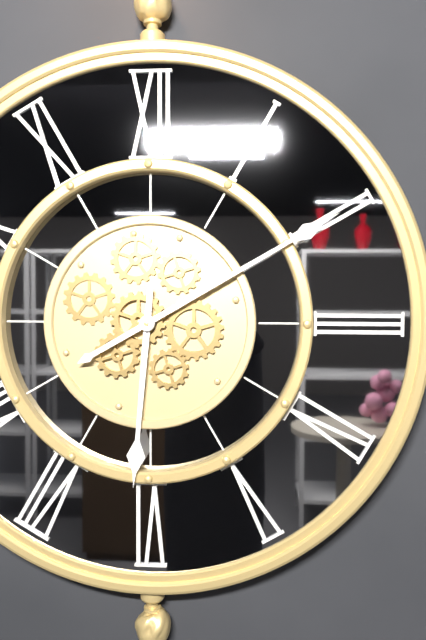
6:10
